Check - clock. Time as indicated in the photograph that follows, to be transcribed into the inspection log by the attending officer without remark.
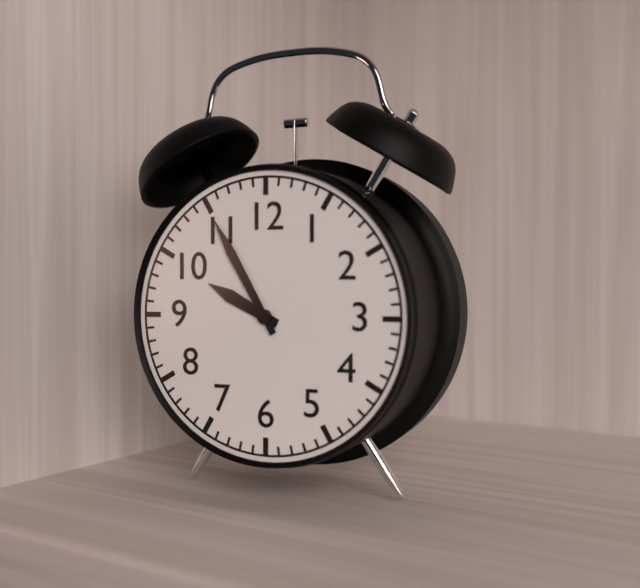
9:55
